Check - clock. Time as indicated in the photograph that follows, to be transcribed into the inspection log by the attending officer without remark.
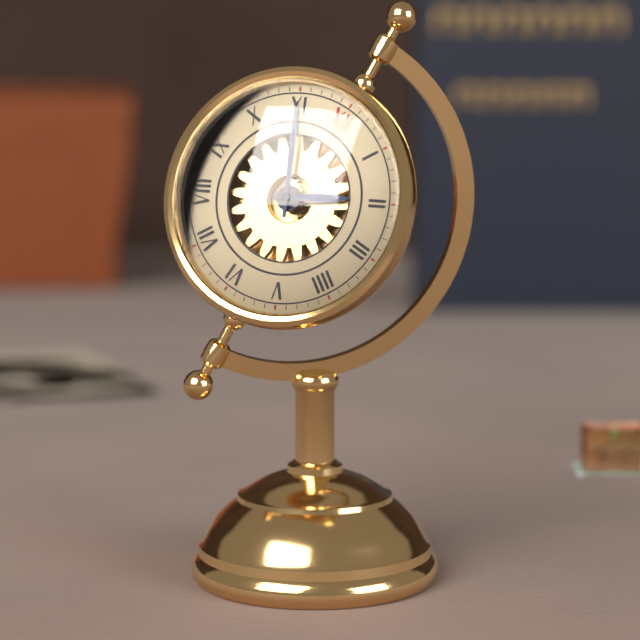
1:55
